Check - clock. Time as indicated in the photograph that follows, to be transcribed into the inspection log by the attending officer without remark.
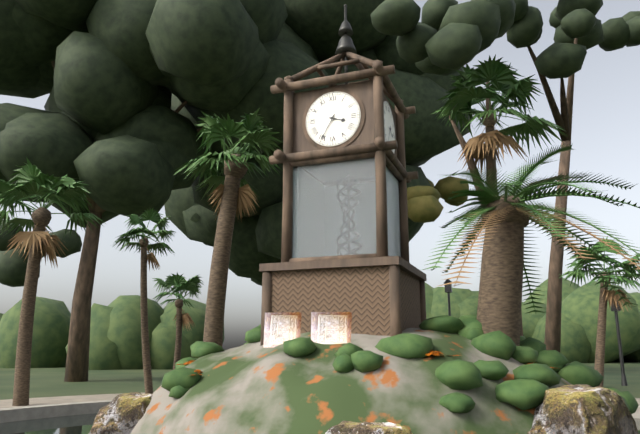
3:35
